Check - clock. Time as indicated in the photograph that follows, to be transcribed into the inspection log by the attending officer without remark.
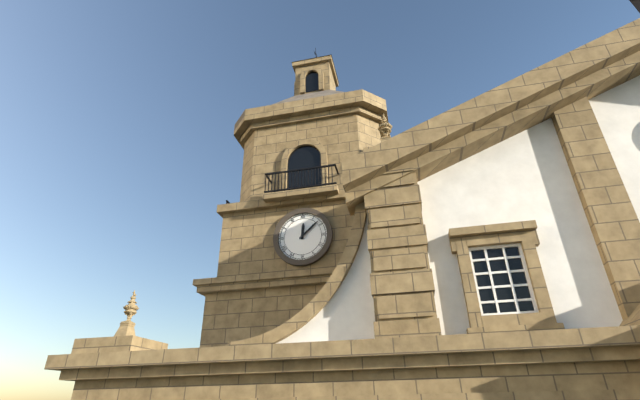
12:08
